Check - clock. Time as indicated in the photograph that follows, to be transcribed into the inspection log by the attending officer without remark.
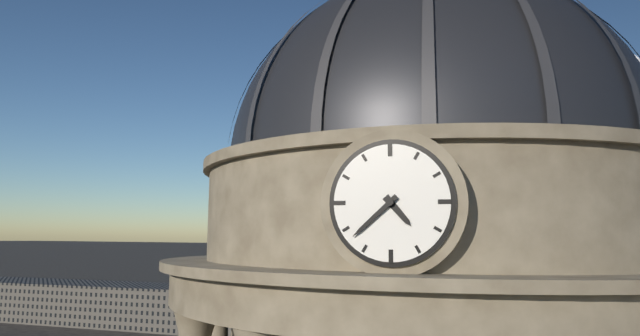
4:38
